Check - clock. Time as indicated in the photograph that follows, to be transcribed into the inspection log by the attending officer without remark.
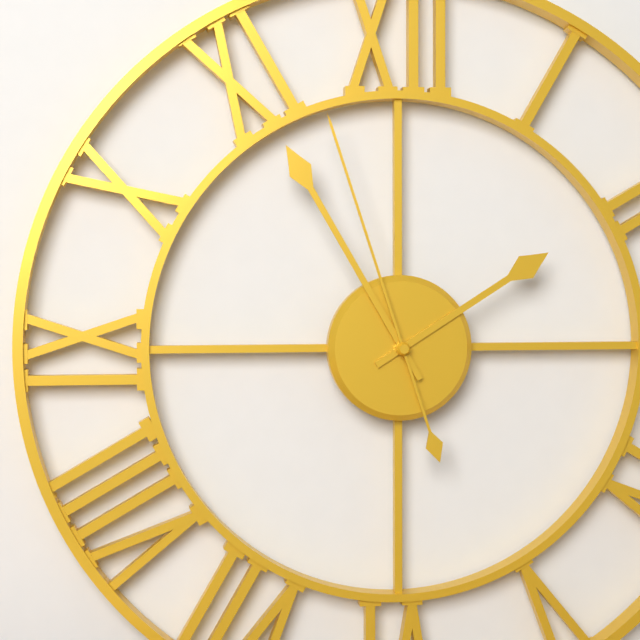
1:55:57
